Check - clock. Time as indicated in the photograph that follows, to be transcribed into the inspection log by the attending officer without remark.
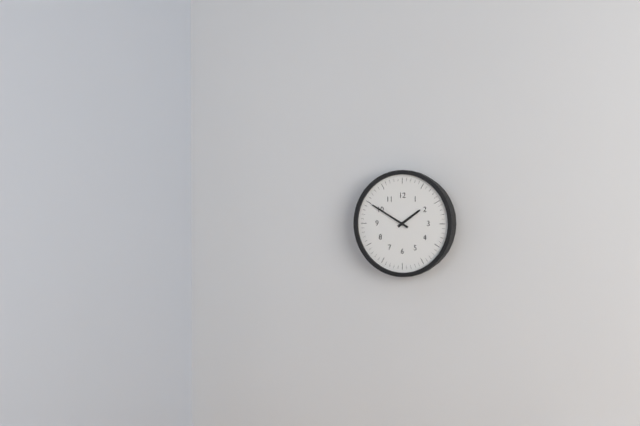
1:50
